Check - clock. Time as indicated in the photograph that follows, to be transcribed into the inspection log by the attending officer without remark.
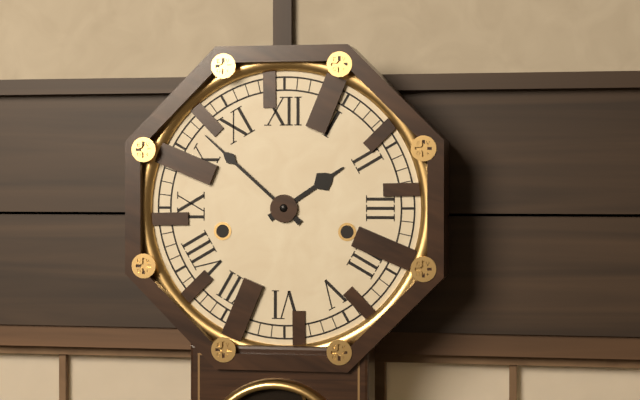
1:52
